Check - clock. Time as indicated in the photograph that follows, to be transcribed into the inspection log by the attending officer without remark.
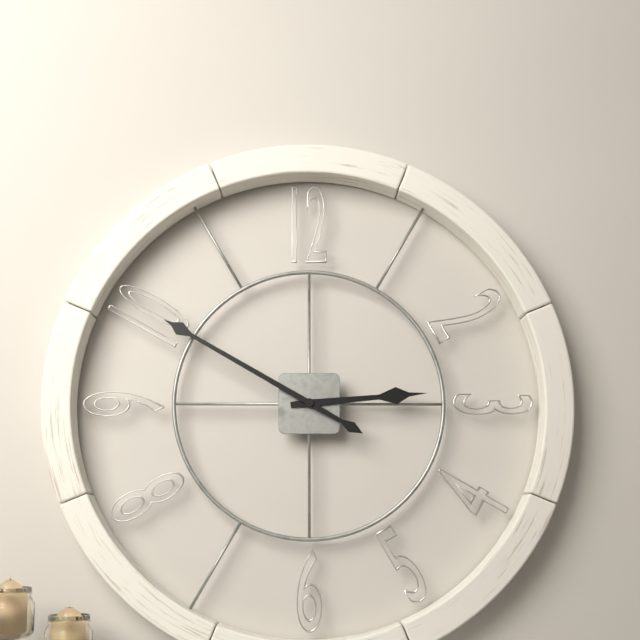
2:50
